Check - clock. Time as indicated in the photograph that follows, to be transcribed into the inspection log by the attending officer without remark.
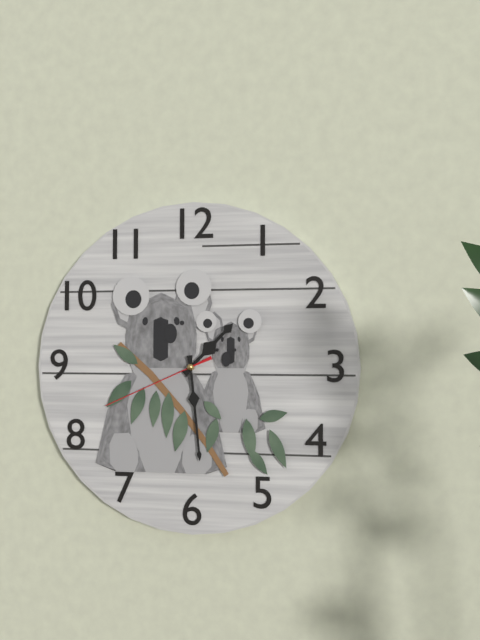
1:29:41
